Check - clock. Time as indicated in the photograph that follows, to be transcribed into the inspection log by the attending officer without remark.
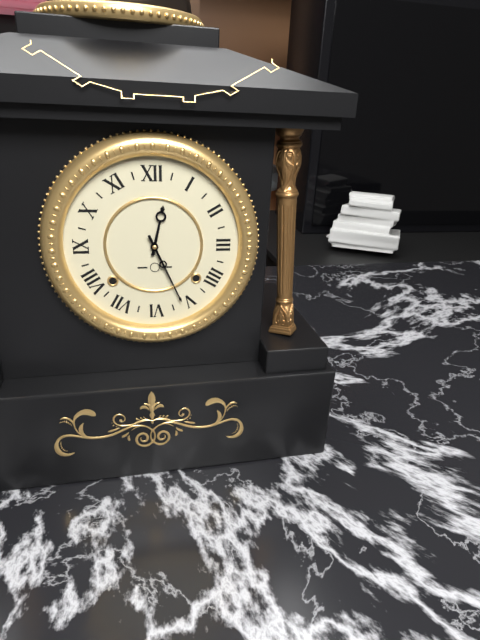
12:26
